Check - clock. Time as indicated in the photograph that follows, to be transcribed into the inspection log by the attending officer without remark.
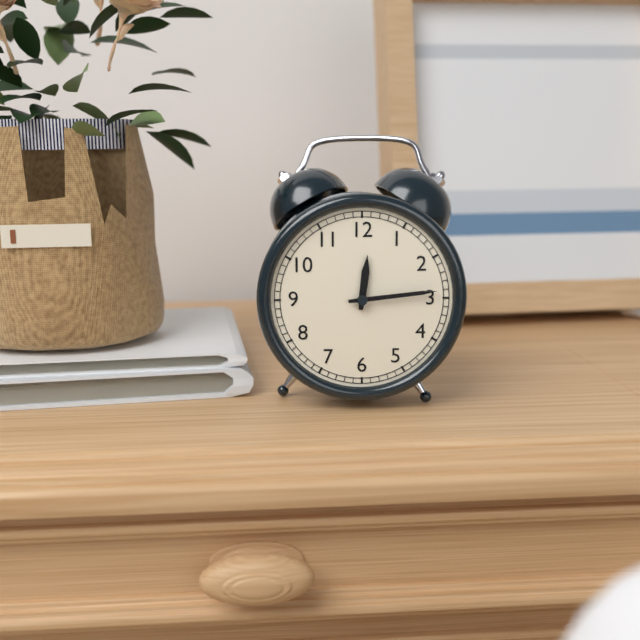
12:14
